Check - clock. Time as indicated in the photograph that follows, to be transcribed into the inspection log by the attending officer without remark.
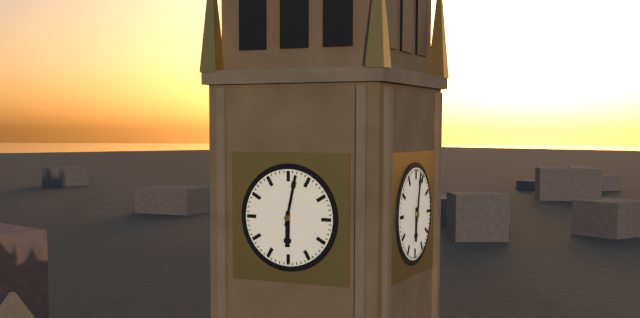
6:02
